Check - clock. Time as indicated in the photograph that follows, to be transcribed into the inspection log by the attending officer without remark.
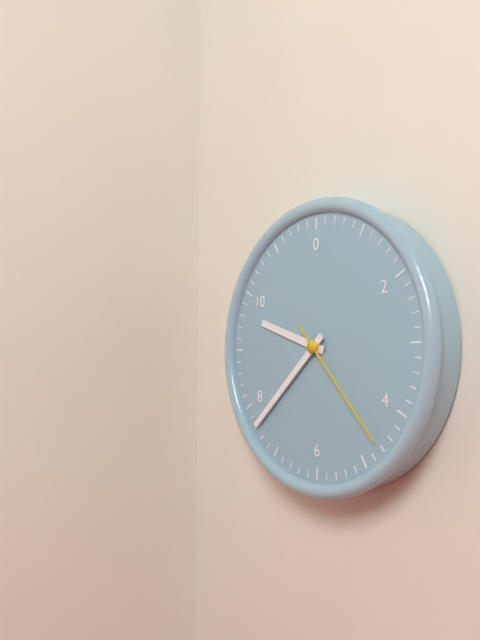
9:38:23
